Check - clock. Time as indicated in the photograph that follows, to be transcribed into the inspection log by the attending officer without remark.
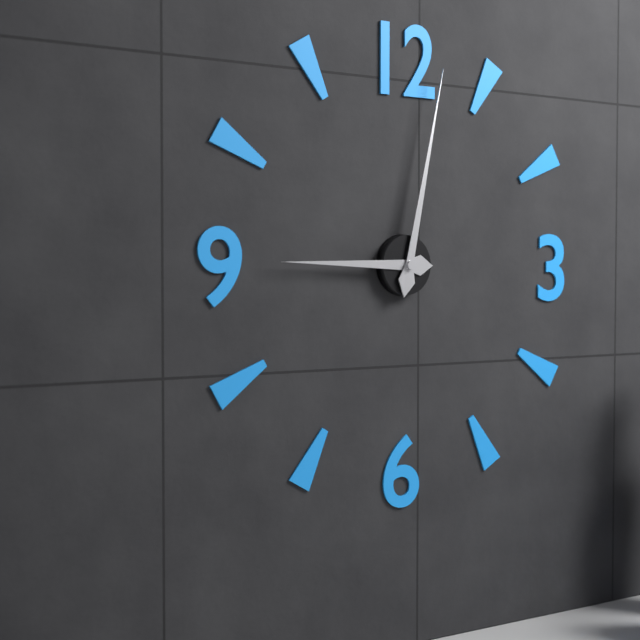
9:02
